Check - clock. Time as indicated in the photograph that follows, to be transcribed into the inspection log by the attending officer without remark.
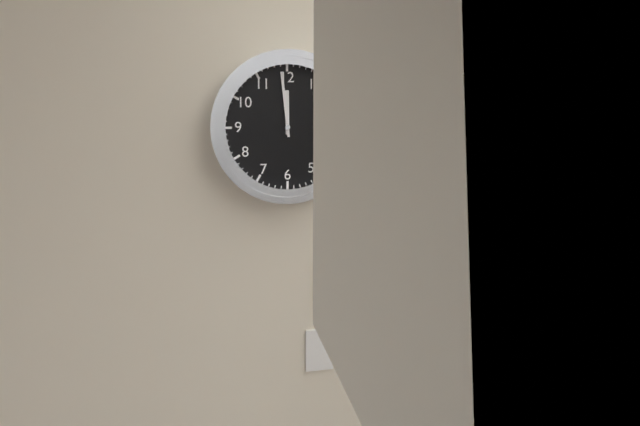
11:59
